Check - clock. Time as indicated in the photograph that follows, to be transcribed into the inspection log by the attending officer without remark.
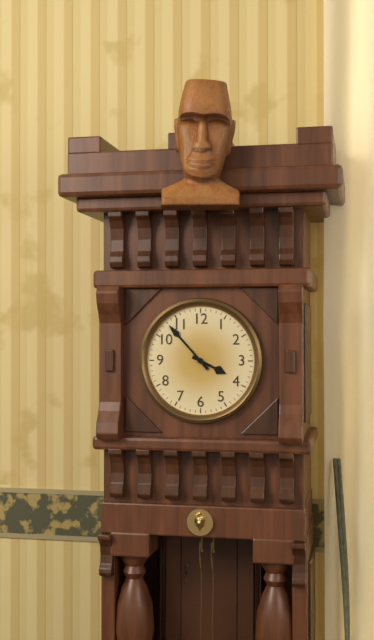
3:53
